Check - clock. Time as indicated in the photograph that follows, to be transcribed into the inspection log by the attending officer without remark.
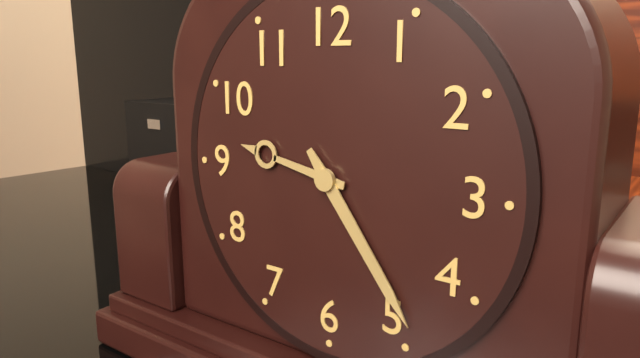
9:24
